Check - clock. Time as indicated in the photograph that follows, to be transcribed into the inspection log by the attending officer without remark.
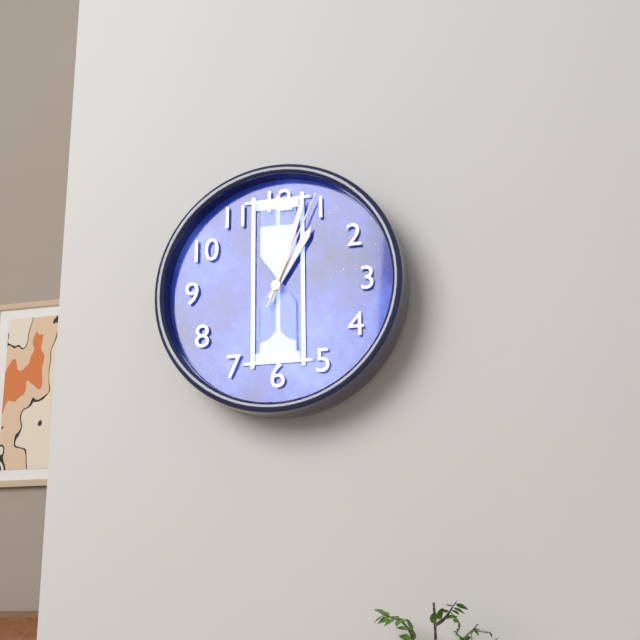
1:03:04
